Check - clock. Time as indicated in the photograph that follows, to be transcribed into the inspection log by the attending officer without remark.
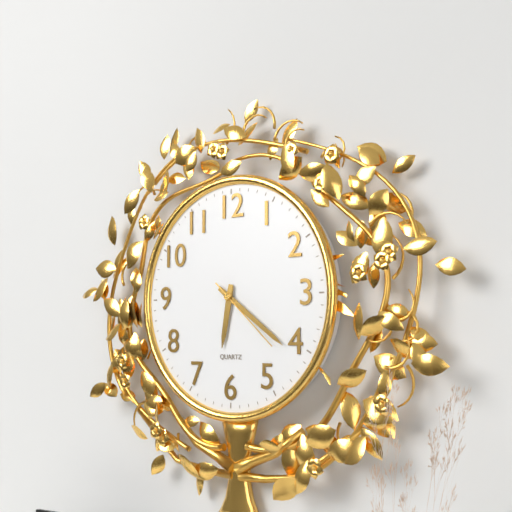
6:21:22
